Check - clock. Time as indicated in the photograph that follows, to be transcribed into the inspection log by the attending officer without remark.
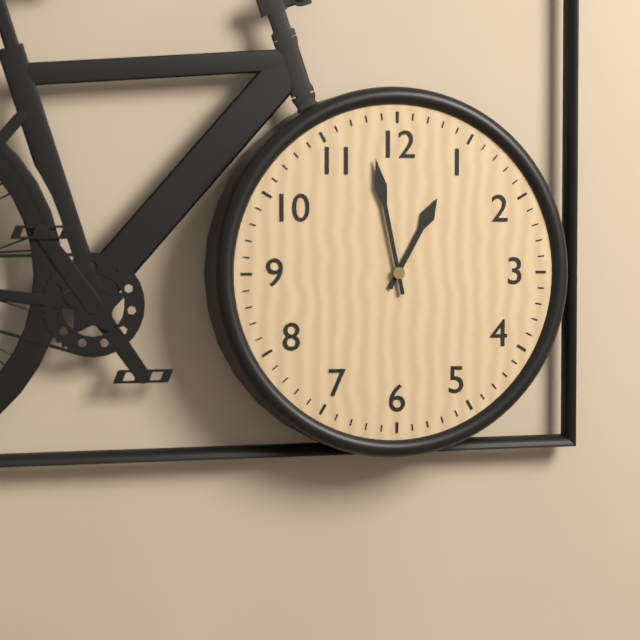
12:58
